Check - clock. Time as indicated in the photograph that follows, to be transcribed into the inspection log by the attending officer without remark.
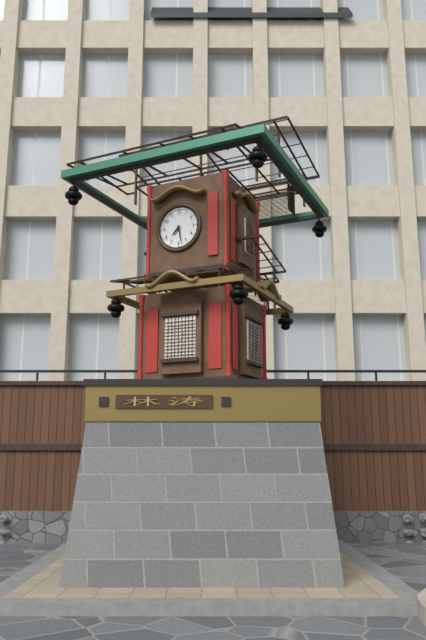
7:28
